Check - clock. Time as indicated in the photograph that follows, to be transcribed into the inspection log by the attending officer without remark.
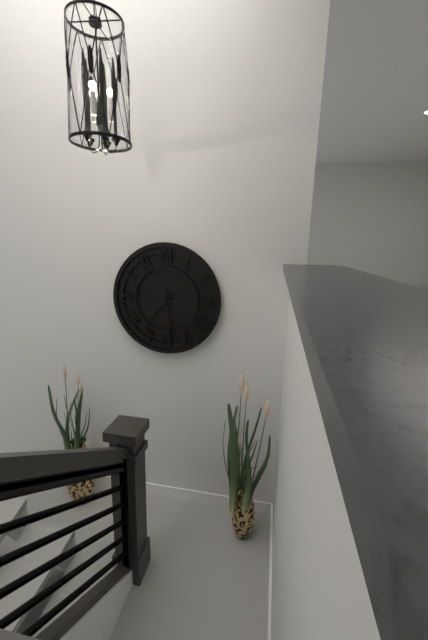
7:29:46
